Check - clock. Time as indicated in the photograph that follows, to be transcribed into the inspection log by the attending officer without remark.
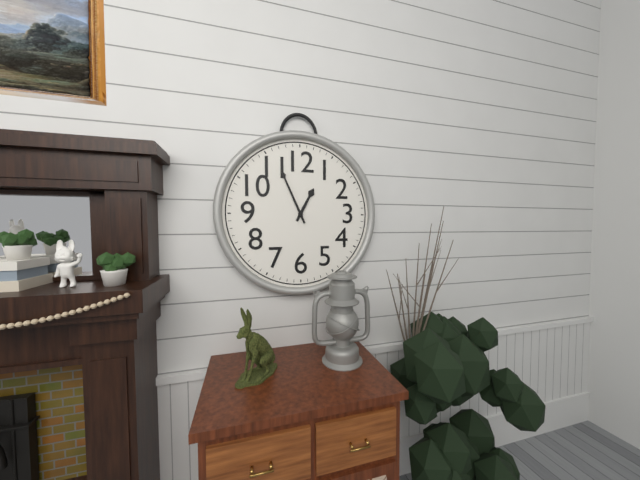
12:56
